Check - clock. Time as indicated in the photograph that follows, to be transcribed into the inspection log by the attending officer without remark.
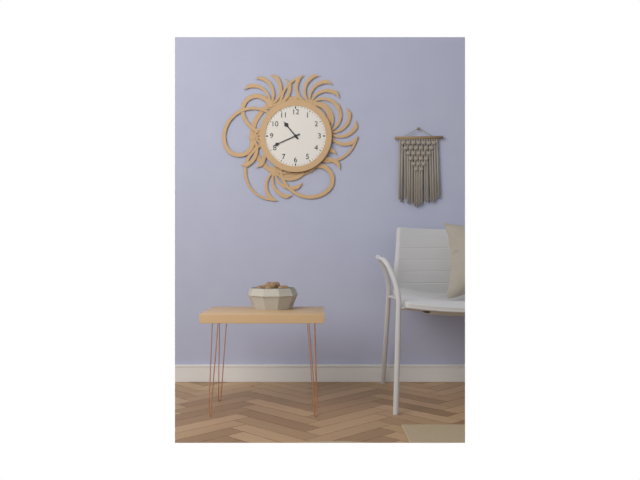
10:41
